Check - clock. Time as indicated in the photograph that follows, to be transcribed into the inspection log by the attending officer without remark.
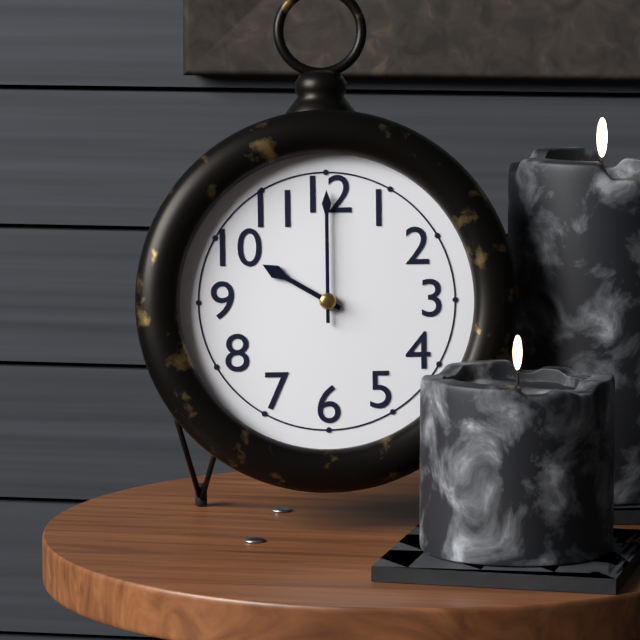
10:00
